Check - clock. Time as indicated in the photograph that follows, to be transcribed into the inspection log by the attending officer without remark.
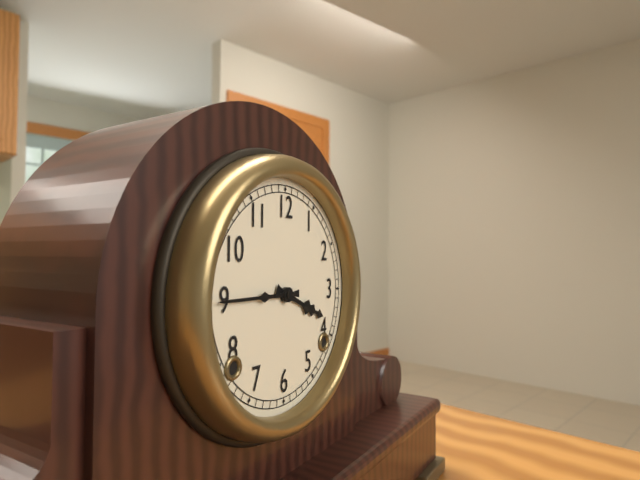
3:45
